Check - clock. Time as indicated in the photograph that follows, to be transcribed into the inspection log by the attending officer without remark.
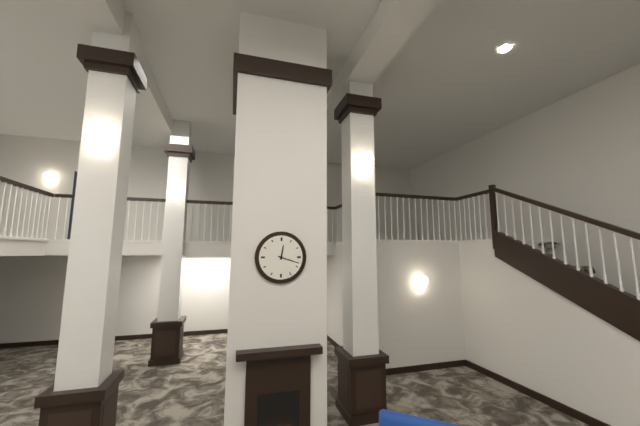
12:18
